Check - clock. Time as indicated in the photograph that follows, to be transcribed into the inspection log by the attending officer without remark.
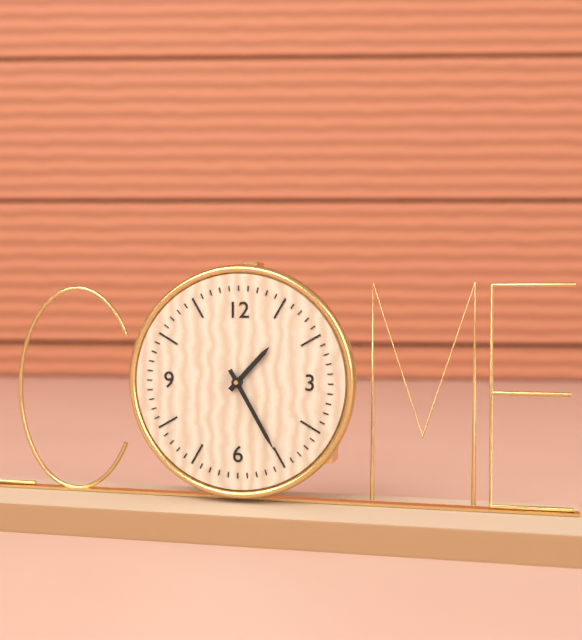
1:25
